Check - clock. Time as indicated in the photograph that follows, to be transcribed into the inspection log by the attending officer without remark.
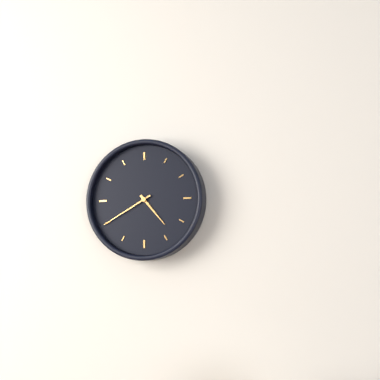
4:40
